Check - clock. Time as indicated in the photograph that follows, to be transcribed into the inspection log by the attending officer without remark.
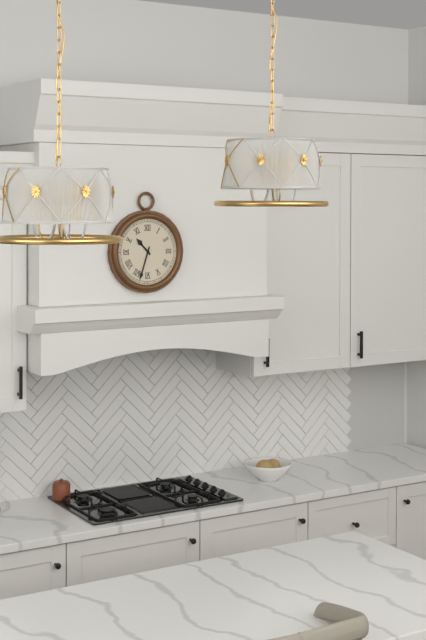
10:33
